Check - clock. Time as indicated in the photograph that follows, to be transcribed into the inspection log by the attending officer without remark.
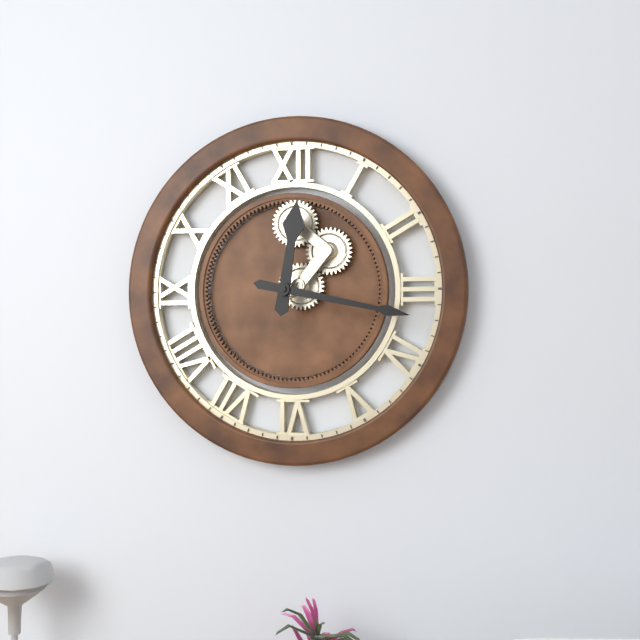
12:17
